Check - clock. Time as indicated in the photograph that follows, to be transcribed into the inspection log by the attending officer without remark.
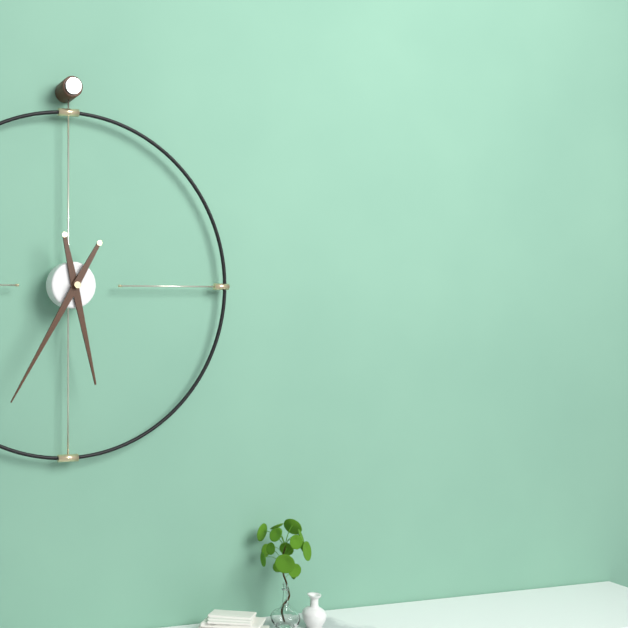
5:35
